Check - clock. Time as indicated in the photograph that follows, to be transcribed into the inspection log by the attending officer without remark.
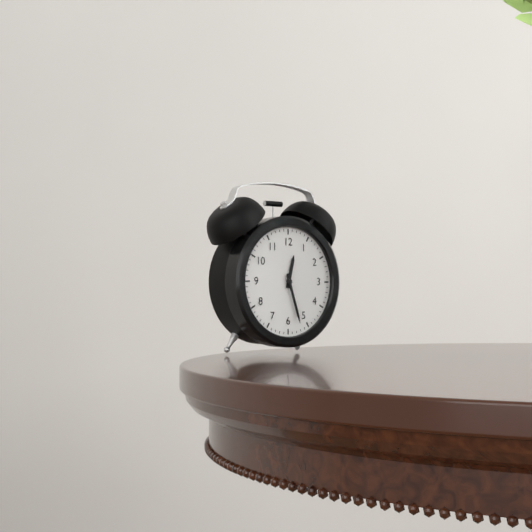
12:27
